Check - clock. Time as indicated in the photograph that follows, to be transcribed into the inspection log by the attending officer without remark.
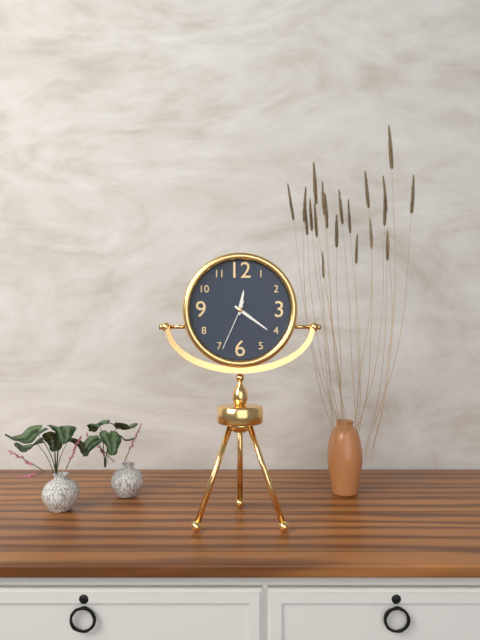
12:21:34
